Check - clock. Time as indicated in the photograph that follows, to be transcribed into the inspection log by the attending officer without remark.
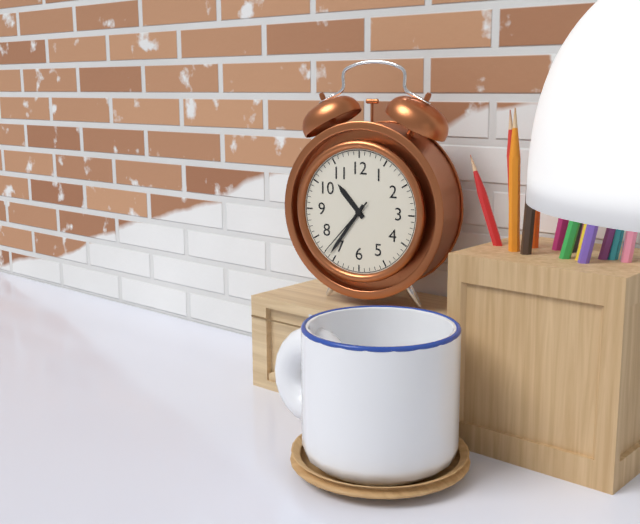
10:36:37
